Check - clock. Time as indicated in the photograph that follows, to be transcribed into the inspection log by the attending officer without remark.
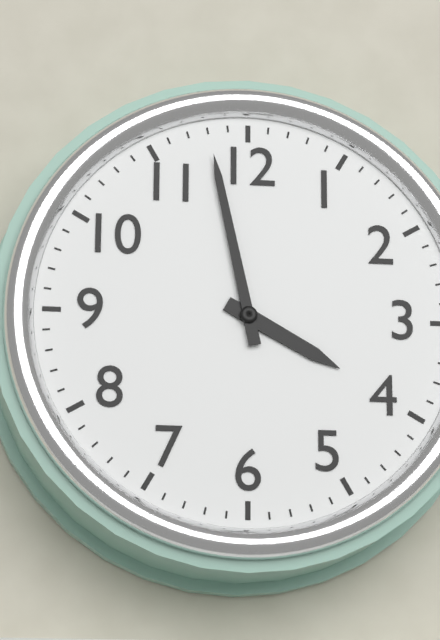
3:58
